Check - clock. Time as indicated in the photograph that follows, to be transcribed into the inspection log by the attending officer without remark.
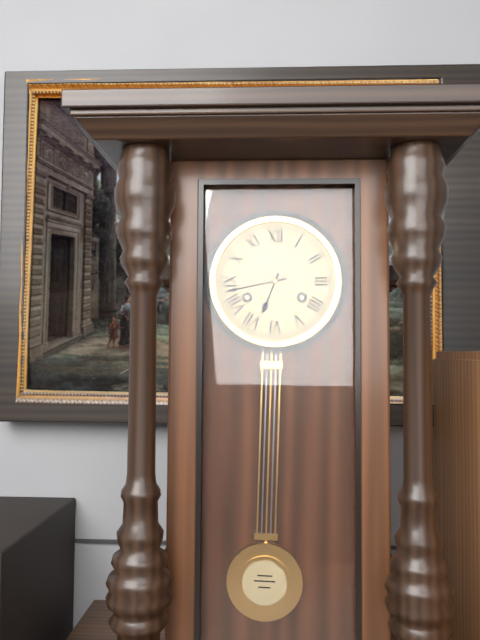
6:43
